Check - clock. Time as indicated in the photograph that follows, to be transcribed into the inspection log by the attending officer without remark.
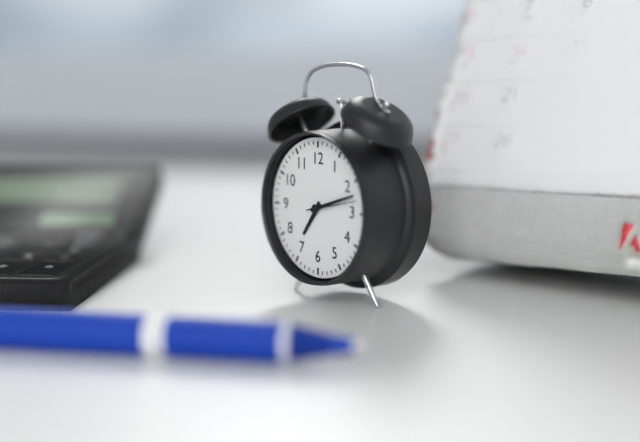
7:12:13
